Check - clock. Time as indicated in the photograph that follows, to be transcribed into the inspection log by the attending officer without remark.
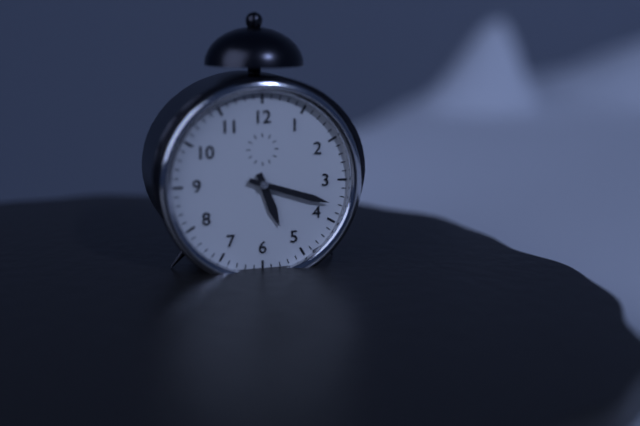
5:18
